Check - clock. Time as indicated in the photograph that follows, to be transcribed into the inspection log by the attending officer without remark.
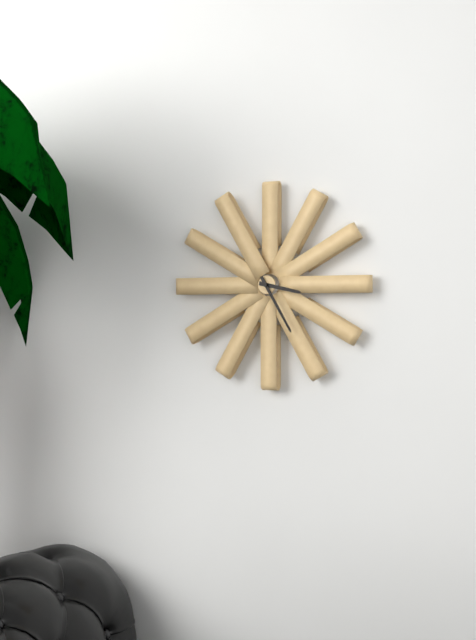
3:25
